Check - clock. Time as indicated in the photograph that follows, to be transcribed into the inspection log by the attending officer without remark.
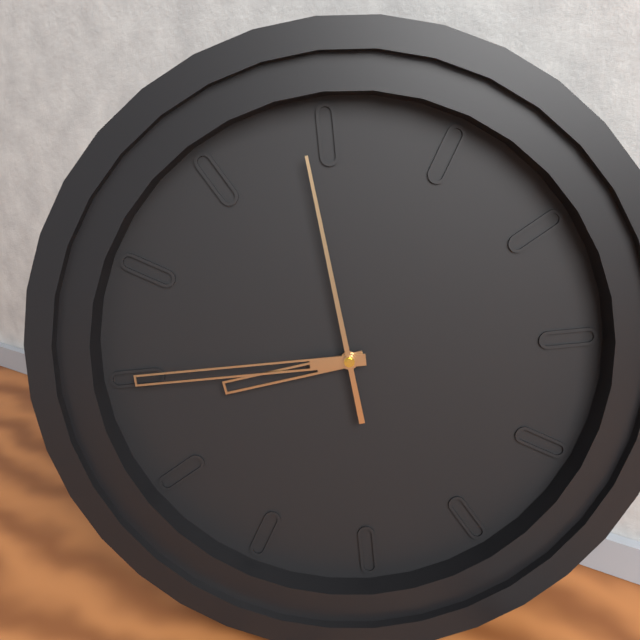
8:45:59
